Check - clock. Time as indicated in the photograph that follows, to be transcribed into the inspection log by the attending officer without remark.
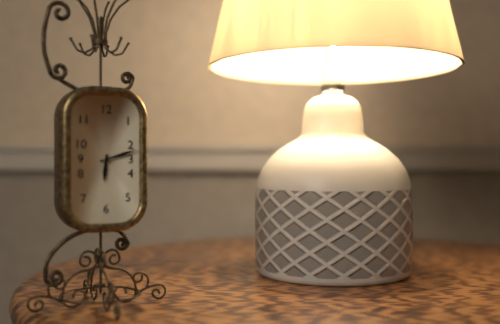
6:12
